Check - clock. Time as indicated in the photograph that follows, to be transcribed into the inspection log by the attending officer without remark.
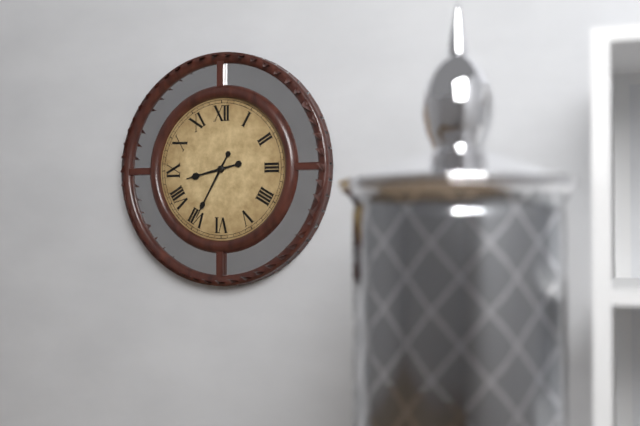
8:35
